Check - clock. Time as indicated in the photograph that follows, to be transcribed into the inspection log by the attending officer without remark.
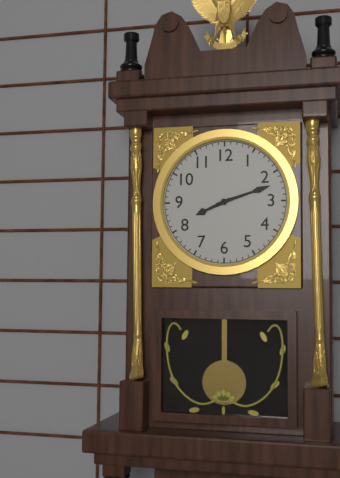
8:12
